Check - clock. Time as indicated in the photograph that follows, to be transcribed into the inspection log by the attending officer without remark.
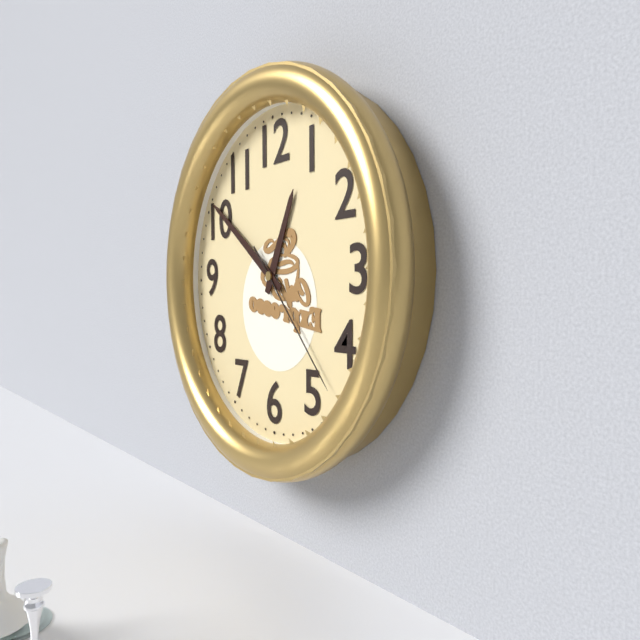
12:51:23
